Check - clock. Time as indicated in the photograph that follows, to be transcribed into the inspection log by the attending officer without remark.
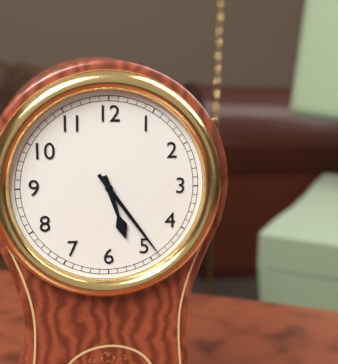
5:24
